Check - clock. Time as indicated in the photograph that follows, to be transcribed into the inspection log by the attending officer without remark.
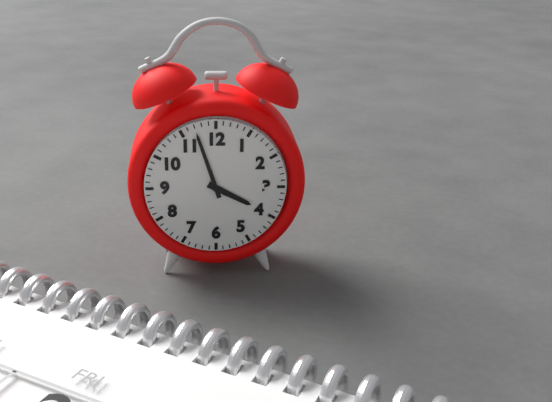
3:57
